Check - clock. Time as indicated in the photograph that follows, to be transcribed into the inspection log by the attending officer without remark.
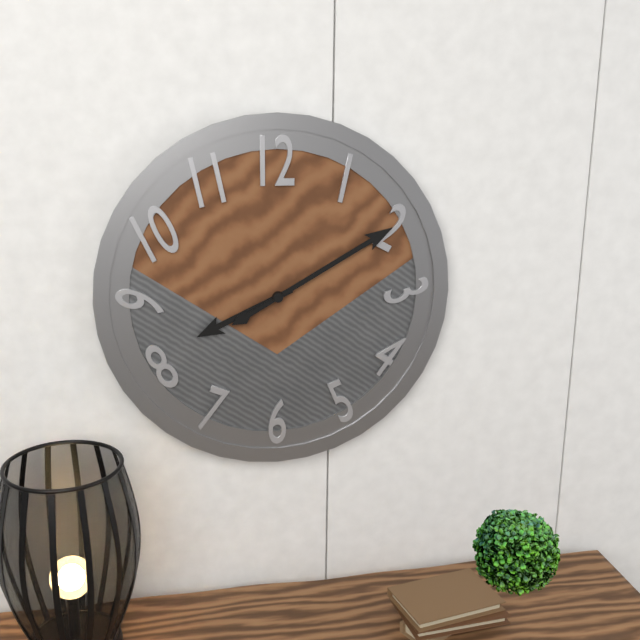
8:10
